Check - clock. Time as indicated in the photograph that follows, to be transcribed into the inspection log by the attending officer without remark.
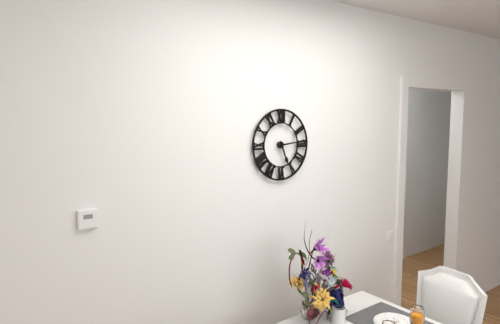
5:14
